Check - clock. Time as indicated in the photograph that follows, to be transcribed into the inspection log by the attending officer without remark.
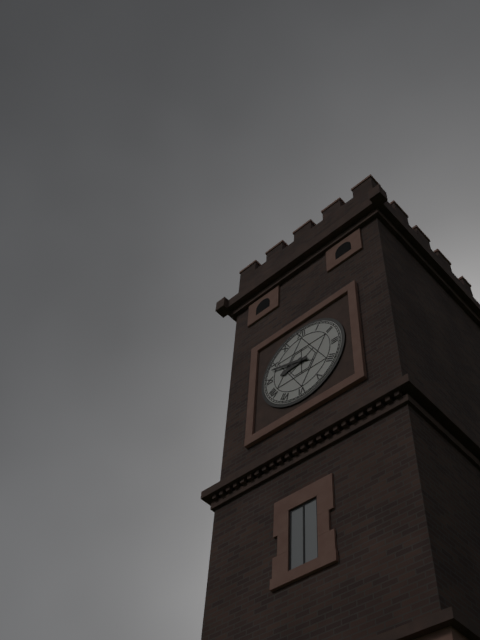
8:48
